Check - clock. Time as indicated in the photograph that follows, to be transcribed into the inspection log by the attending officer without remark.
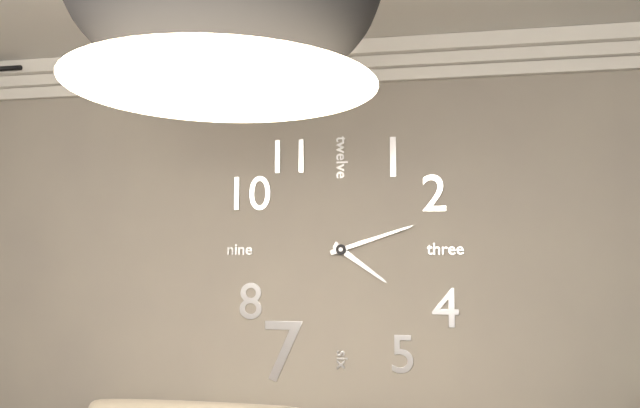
4:12
